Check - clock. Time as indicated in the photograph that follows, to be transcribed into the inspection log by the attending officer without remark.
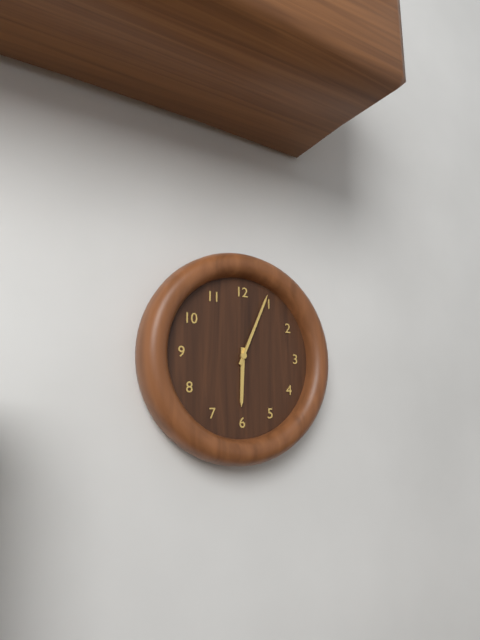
6:04
